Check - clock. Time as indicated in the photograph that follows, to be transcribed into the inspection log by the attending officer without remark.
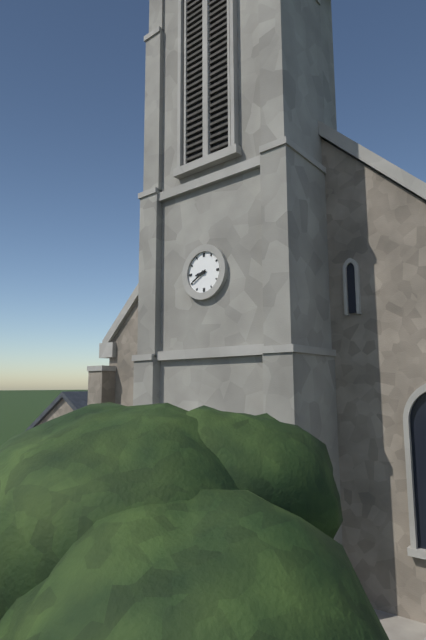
8:40
